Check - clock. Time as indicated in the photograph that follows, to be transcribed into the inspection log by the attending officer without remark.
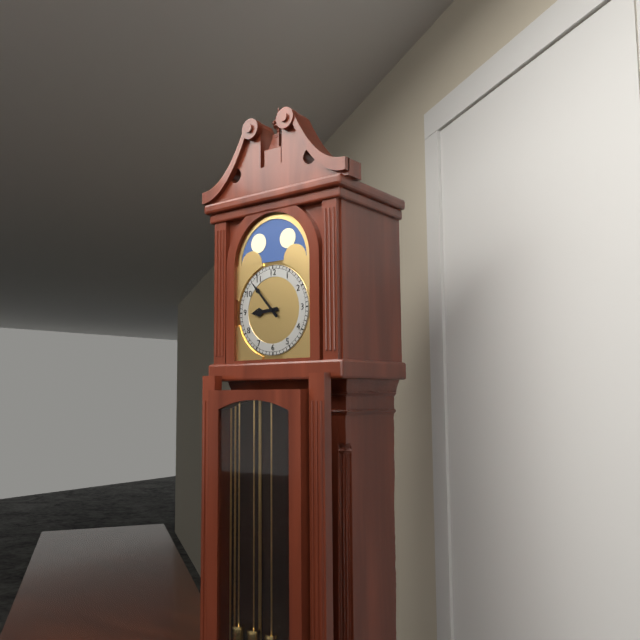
8:53
